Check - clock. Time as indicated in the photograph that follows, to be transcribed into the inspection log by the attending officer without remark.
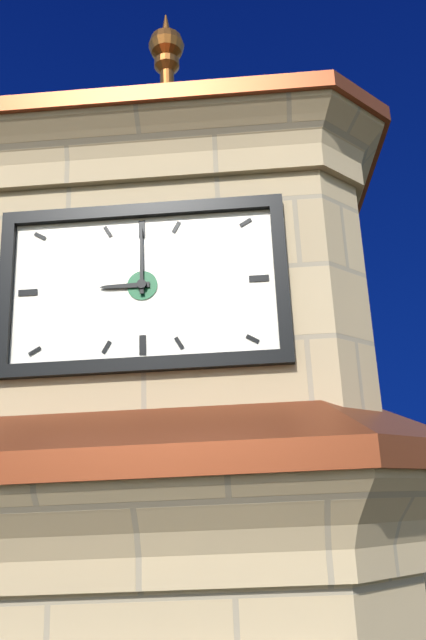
9:00
